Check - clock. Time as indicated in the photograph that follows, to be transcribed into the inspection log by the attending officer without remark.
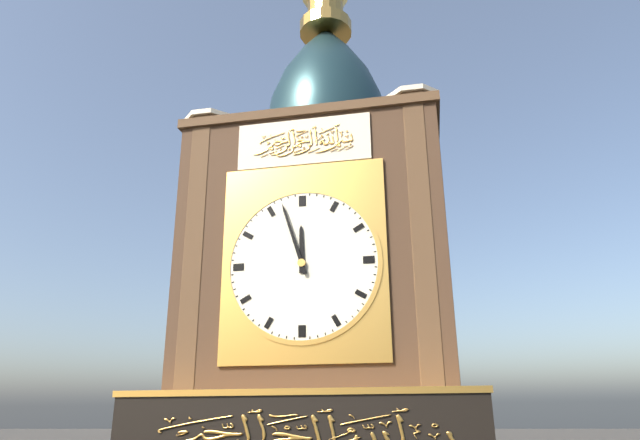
11:57
